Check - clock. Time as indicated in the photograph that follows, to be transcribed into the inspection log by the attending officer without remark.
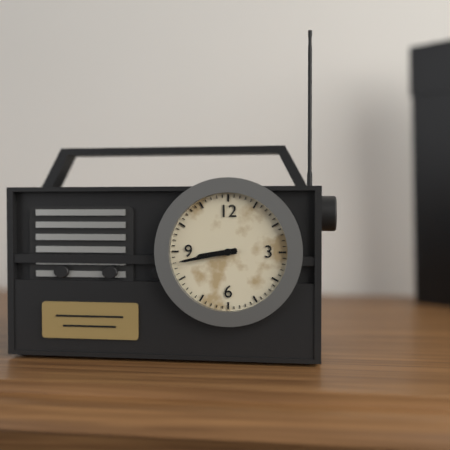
8:43
